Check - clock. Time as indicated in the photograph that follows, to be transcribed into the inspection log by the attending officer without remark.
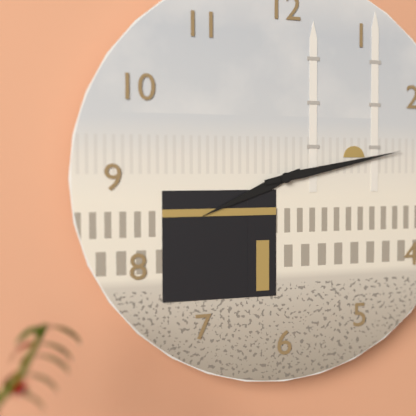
8:13
